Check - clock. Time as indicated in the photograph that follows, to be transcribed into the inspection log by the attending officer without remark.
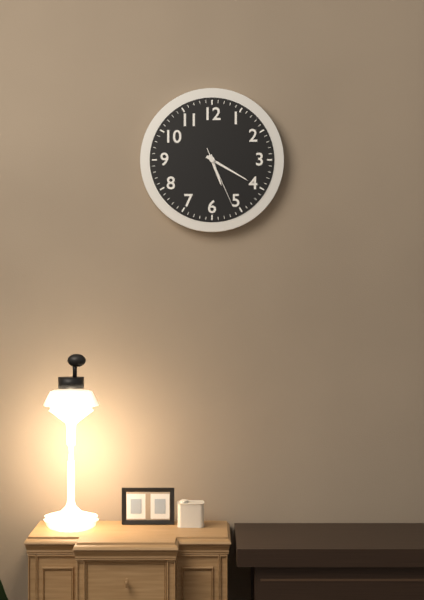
5:20:26
